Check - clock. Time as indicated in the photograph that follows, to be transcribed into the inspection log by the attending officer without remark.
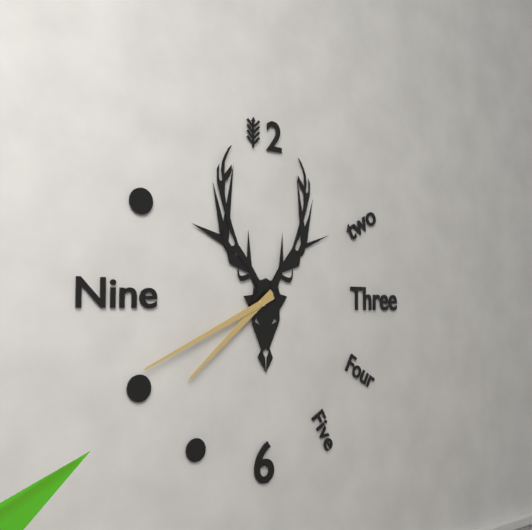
7:41
